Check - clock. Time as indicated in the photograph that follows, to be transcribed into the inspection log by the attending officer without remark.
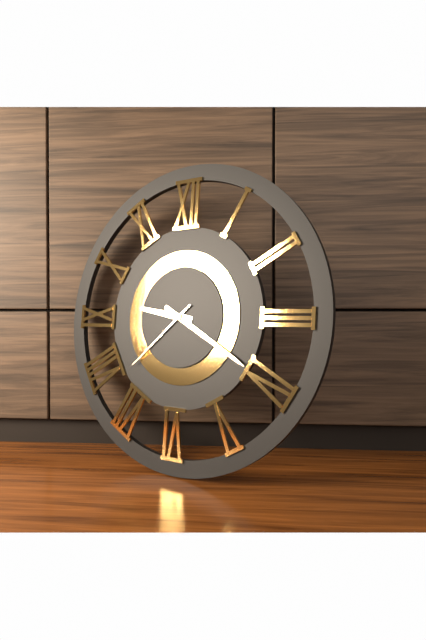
9:20:38
